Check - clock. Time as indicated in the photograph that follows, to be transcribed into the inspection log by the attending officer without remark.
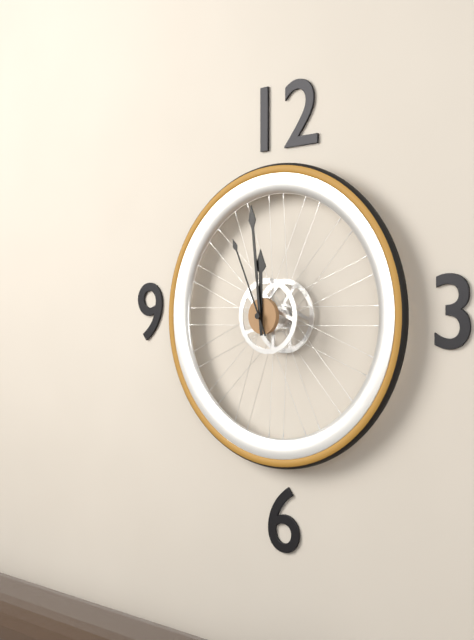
11:59:56
